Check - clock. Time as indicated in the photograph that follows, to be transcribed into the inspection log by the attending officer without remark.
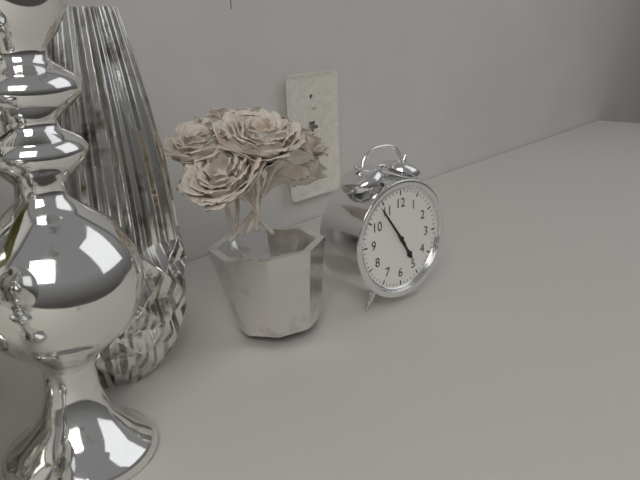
4:54
